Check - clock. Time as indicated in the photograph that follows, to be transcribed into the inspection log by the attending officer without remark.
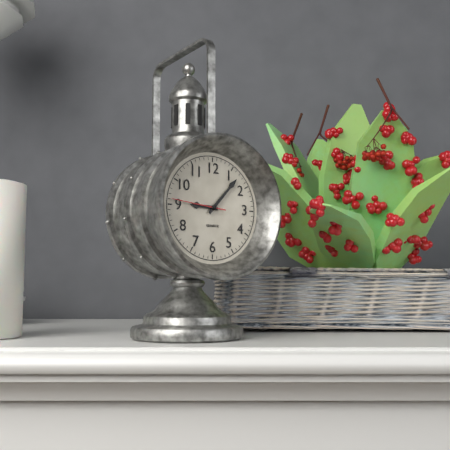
9:07:46
